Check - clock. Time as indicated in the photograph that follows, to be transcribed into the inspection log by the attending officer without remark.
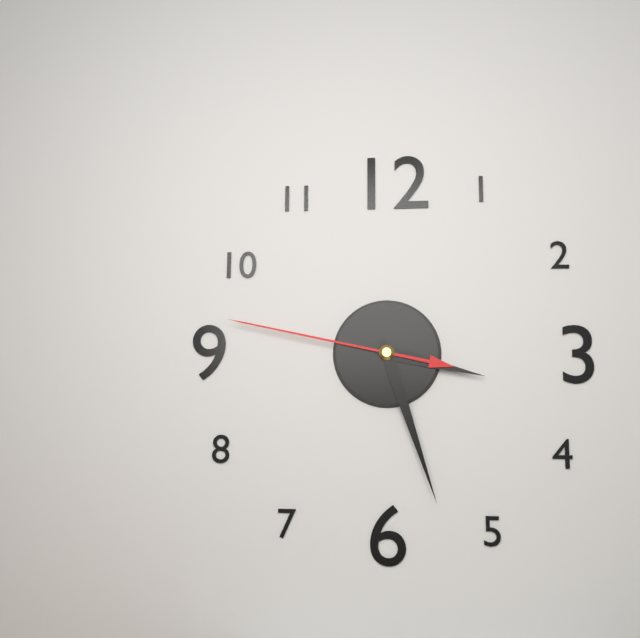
3:27:47
